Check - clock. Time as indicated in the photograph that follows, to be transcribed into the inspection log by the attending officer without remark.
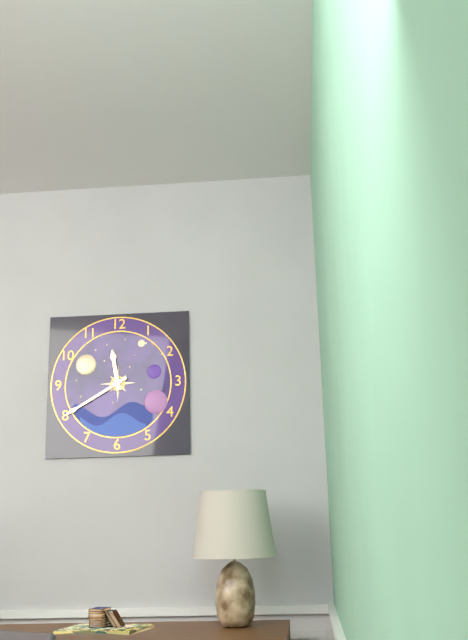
11:40
